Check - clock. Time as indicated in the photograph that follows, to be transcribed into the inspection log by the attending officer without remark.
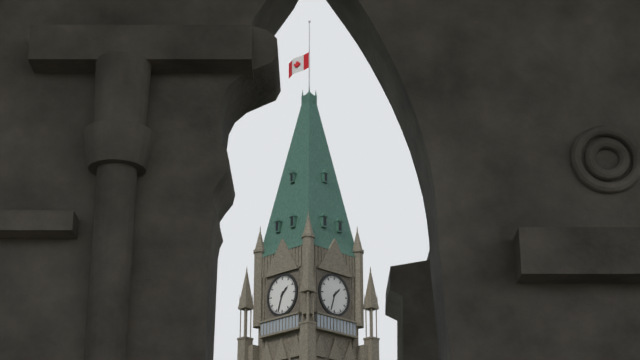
1:33
